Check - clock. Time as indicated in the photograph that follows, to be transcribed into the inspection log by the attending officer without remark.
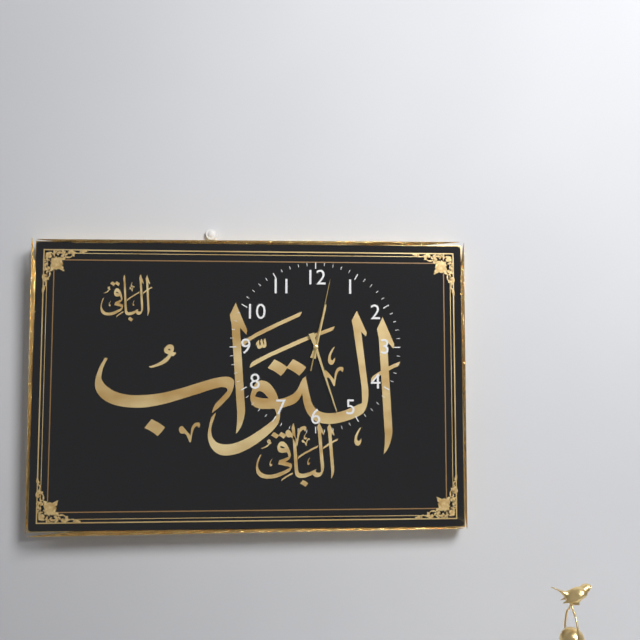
12:27:02
